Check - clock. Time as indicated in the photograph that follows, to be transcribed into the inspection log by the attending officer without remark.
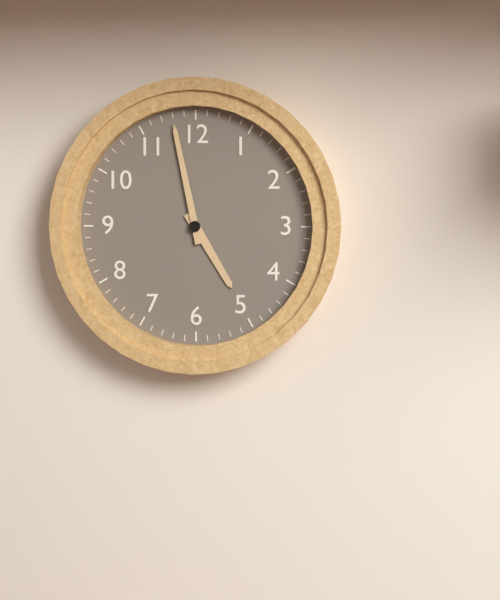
4:58
